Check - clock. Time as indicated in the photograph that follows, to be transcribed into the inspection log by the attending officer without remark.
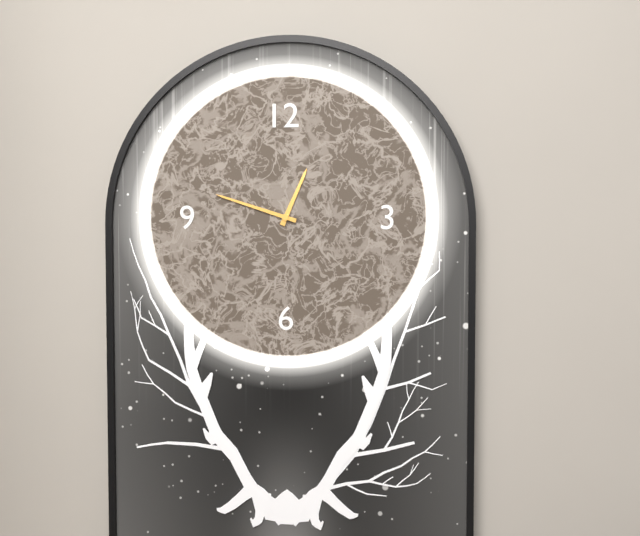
12:48
